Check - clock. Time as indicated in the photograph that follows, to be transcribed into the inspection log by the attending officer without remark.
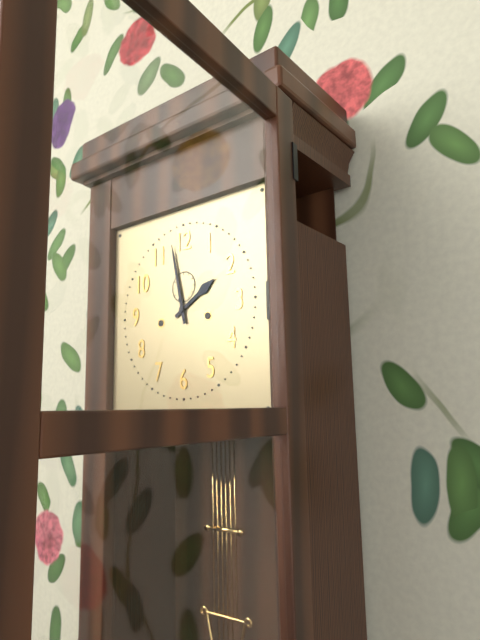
1:58
